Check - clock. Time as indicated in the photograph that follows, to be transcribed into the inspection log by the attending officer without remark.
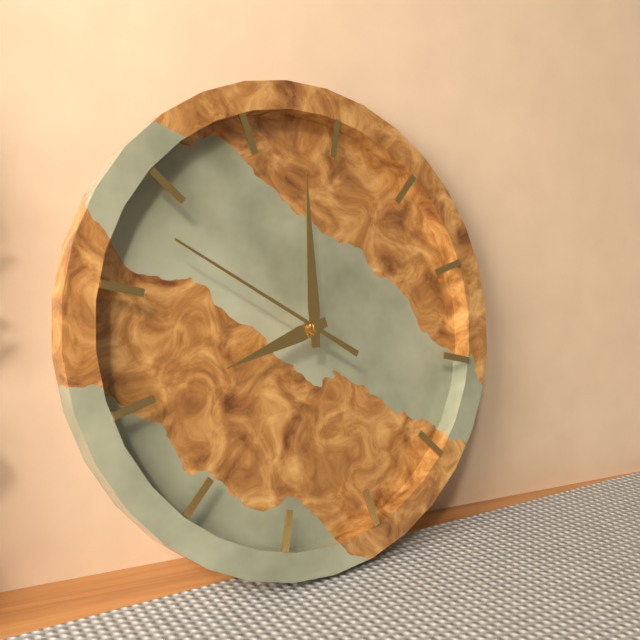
7:58:48
